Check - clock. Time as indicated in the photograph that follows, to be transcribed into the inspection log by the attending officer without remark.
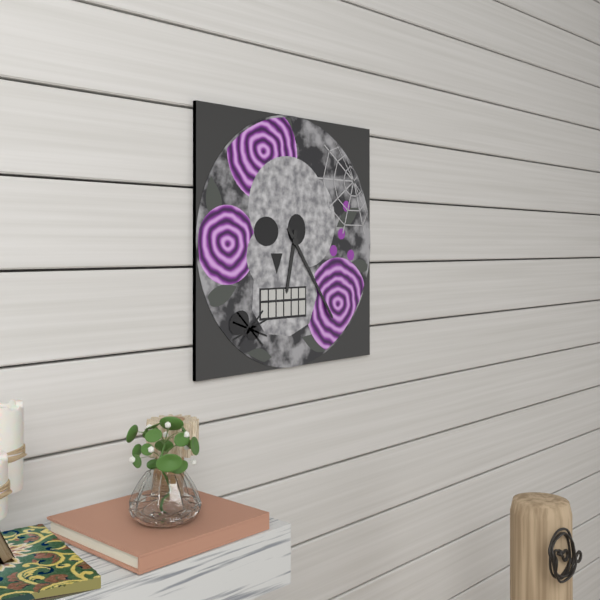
6:24
